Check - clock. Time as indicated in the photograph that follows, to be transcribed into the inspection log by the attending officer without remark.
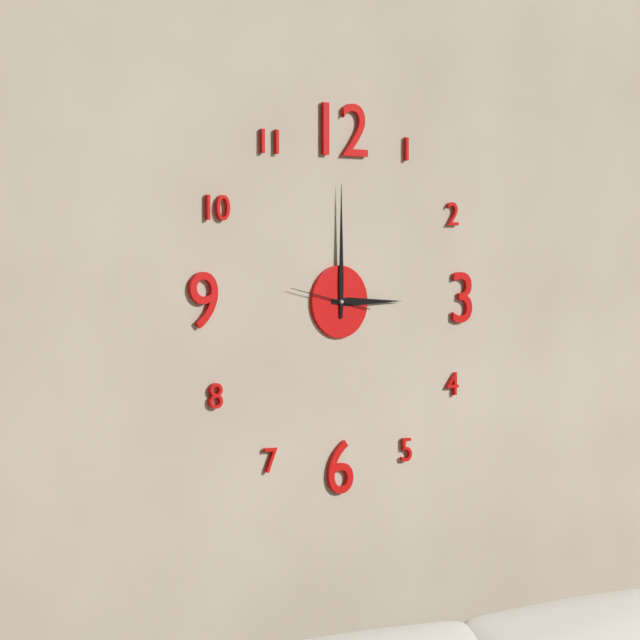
3:00:47
